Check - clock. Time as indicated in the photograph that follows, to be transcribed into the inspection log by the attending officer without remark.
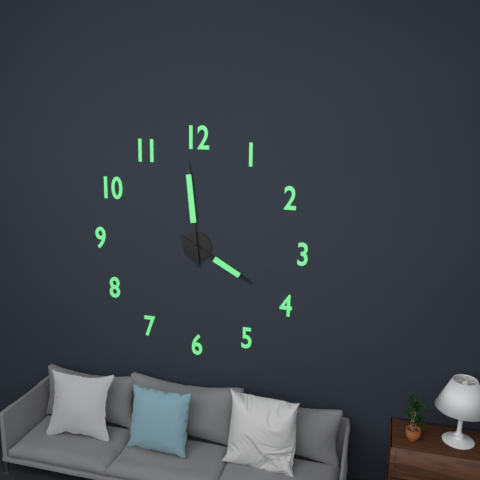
3:59
